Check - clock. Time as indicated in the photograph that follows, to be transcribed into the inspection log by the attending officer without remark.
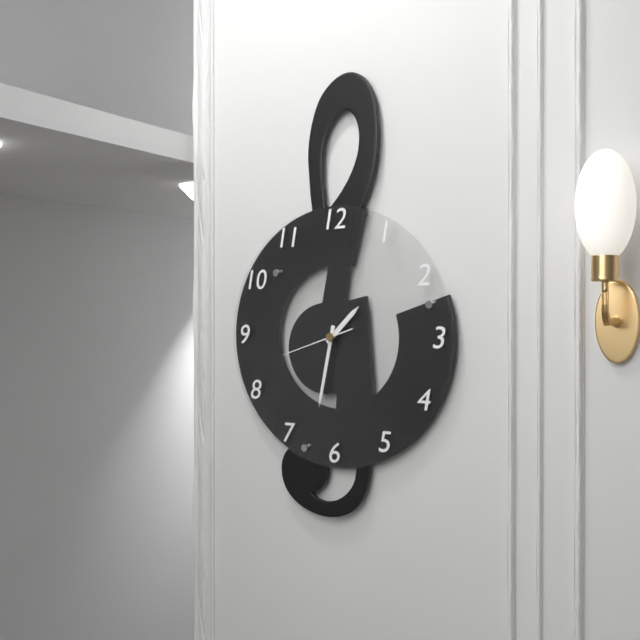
1:32:42
